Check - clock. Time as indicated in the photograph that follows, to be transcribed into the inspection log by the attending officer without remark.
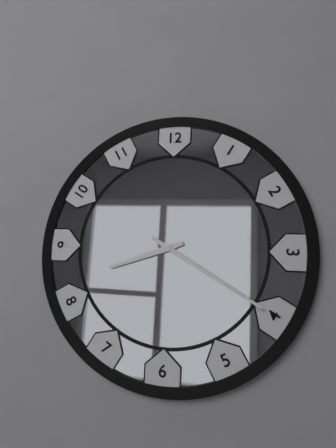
8:20
